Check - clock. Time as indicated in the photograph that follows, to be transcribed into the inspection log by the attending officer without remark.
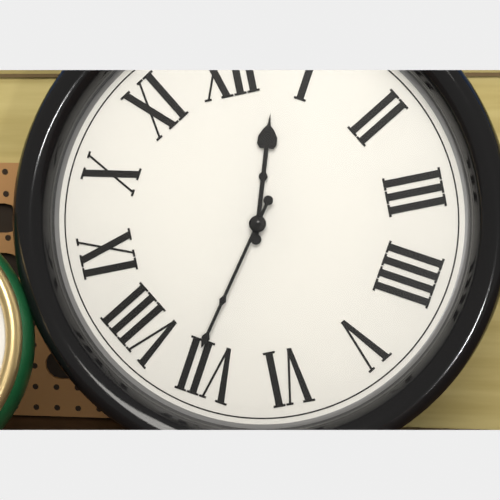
12:36
